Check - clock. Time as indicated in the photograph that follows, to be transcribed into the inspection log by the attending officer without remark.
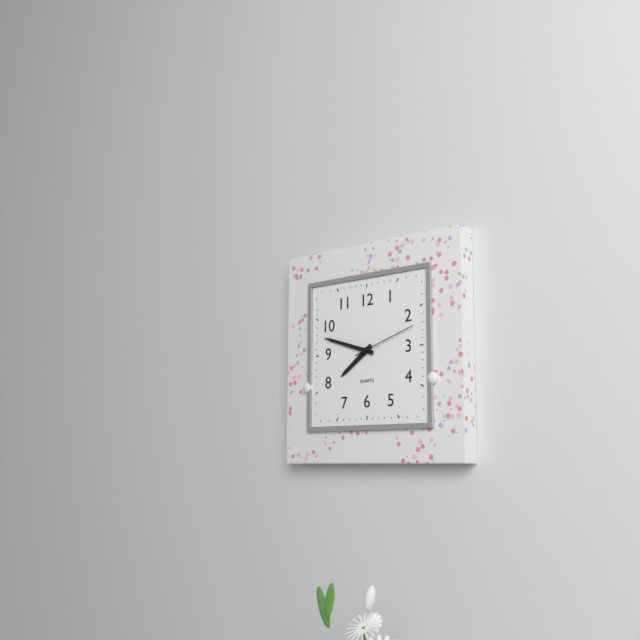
7:48:12
